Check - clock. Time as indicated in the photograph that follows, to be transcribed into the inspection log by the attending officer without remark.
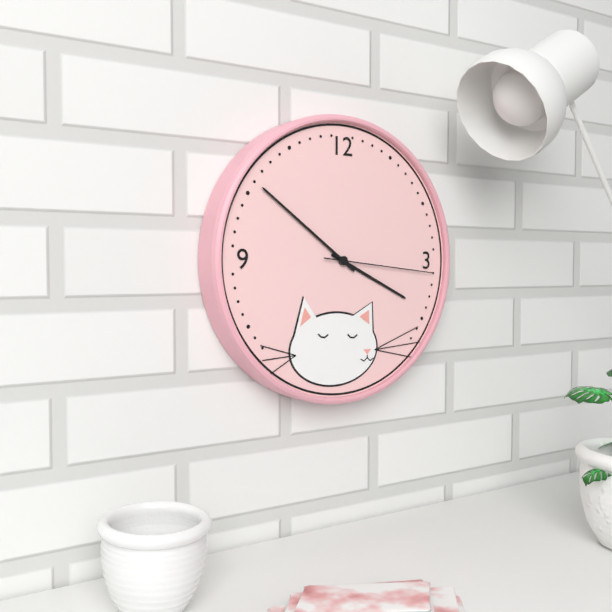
3:51:16
